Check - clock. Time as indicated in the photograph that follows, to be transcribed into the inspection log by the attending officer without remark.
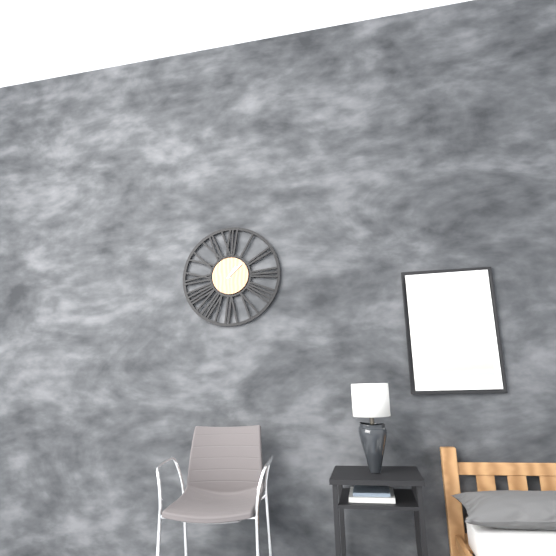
1:08
